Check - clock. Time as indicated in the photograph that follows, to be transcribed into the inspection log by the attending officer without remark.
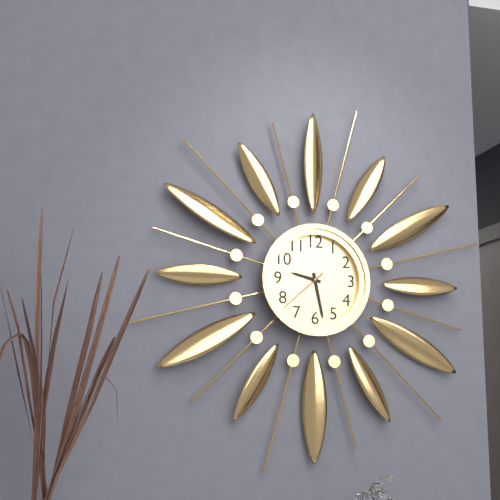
9:28:38
